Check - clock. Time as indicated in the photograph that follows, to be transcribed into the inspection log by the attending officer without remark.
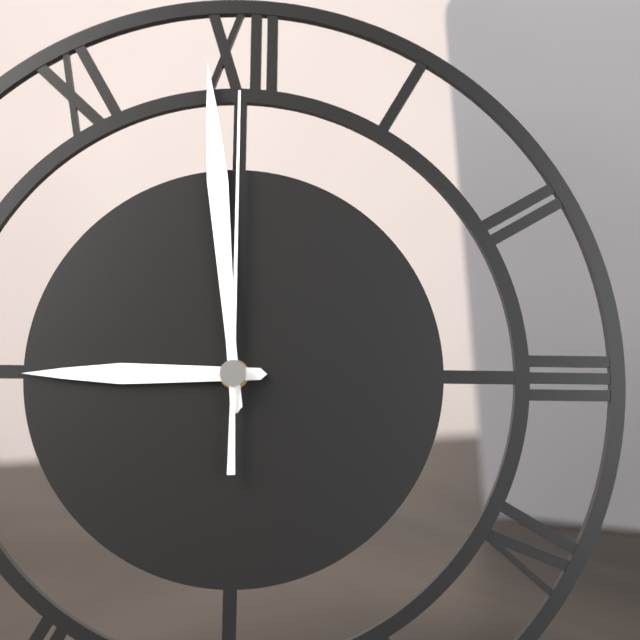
8:59:00
